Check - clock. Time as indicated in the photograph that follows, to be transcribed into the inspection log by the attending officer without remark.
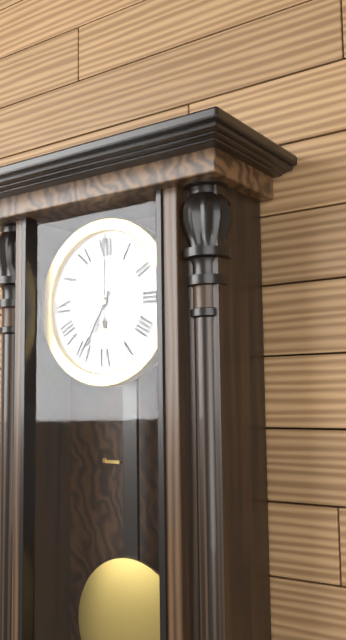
7:00
